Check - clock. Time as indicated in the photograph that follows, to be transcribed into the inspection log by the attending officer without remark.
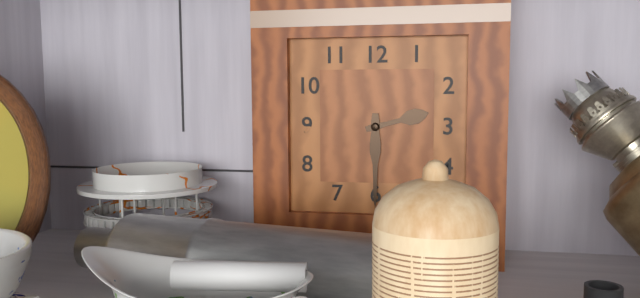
2:30
